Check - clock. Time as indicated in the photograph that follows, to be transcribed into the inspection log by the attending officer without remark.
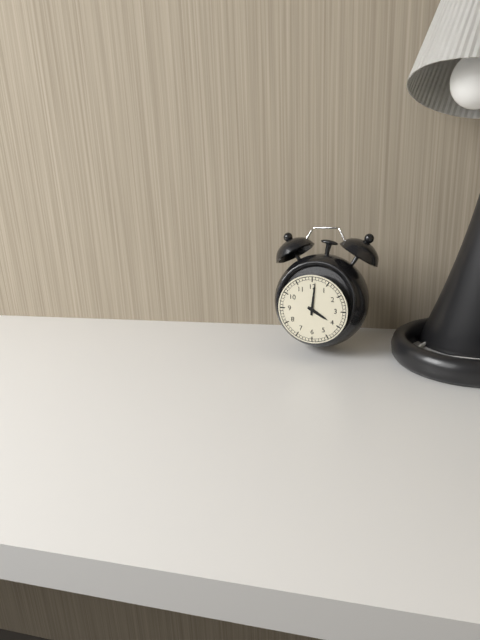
4:01
